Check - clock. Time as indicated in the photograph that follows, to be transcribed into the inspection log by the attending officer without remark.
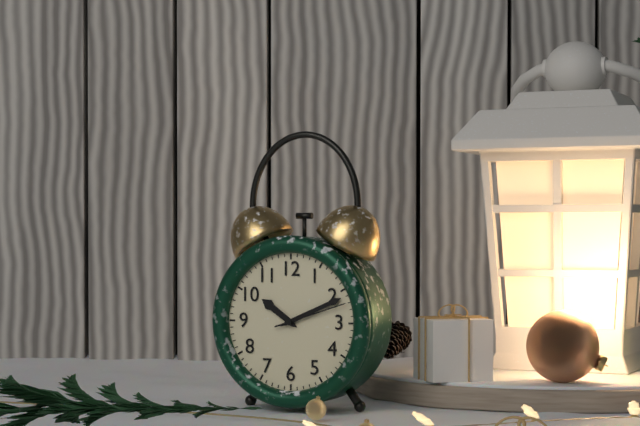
10:11:12
